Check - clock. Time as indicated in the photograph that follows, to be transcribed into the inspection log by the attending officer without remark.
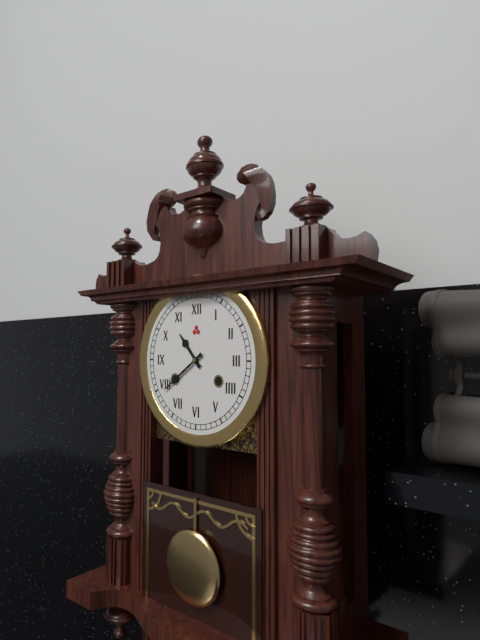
10:39
